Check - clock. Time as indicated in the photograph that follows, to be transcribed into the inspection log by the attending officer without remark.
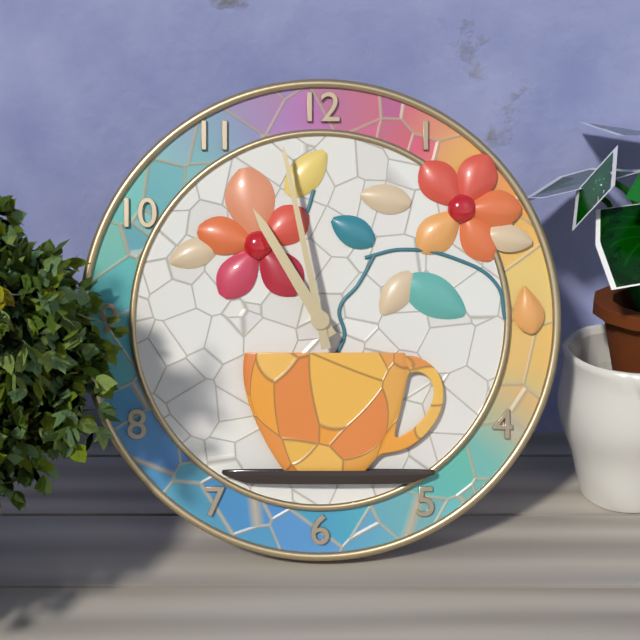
10:58
